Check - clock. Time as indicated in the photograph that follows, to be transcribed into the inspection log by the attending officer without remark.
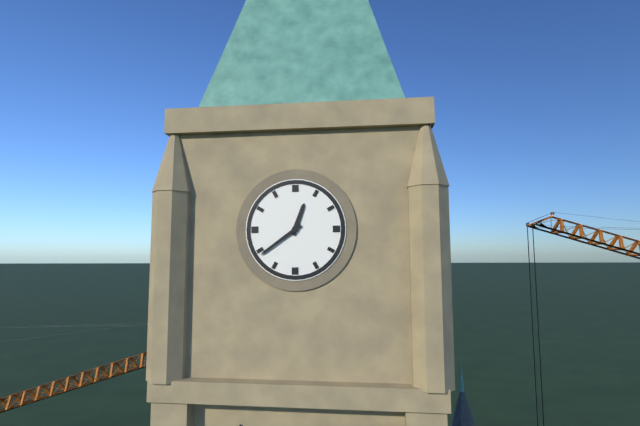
12:39
